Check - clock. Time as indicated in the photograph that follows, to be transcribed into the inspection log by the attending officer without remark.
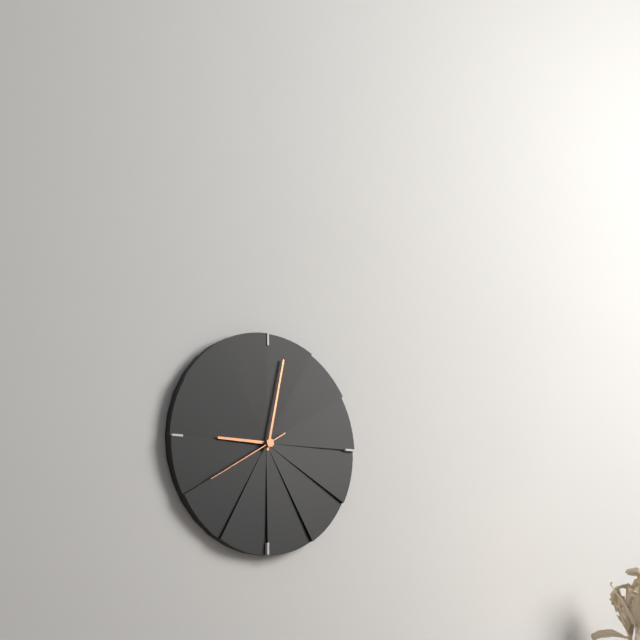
9:02:40
